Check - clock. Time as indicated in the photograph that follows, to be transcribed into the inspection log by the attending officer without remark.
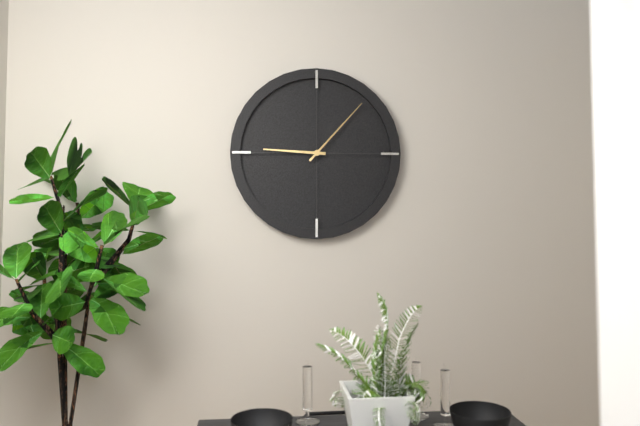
9:07
